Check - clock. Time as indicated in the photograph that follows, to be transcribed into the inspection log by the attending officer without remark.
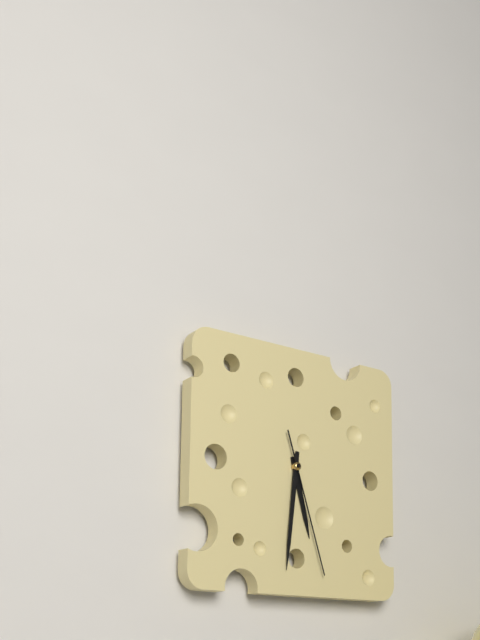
5:31:27
